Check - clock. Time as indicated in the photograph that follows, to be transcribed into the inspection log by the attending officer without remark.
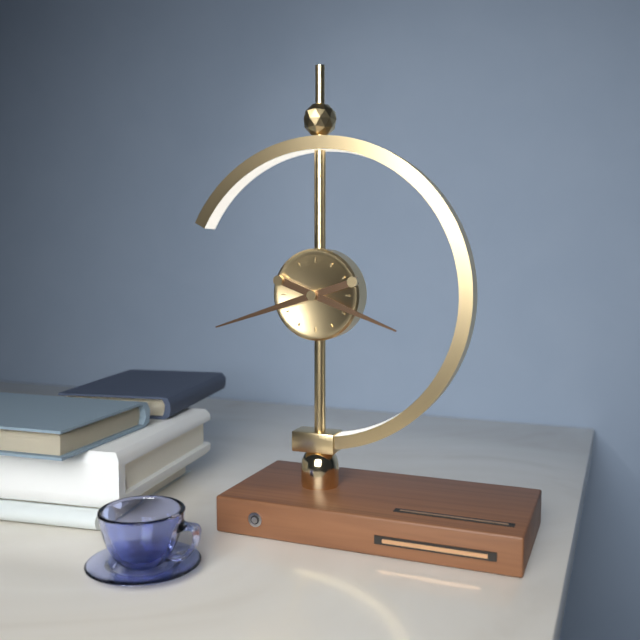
3:42
